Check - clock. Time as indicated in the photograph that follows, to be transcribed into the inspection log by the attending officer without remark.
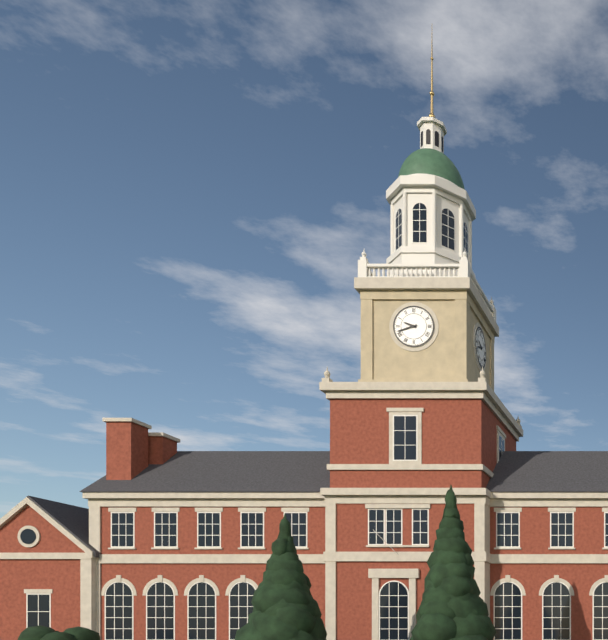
9:42
